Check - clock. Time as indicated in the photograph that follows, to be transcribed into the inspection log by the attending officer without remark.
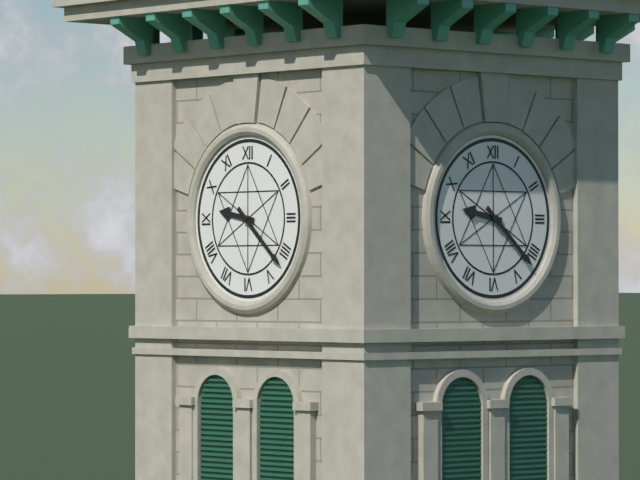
9:22
